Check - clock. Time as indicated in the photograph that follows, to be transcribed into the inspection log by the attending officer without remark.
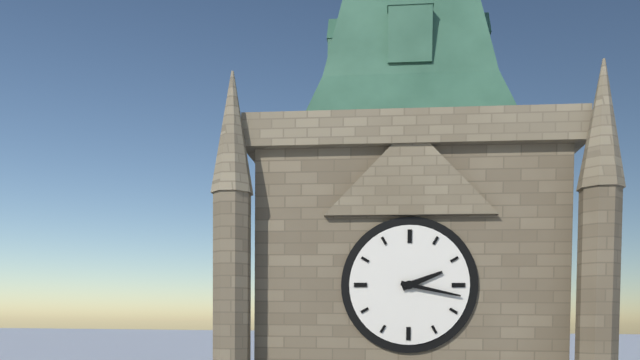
2:17
